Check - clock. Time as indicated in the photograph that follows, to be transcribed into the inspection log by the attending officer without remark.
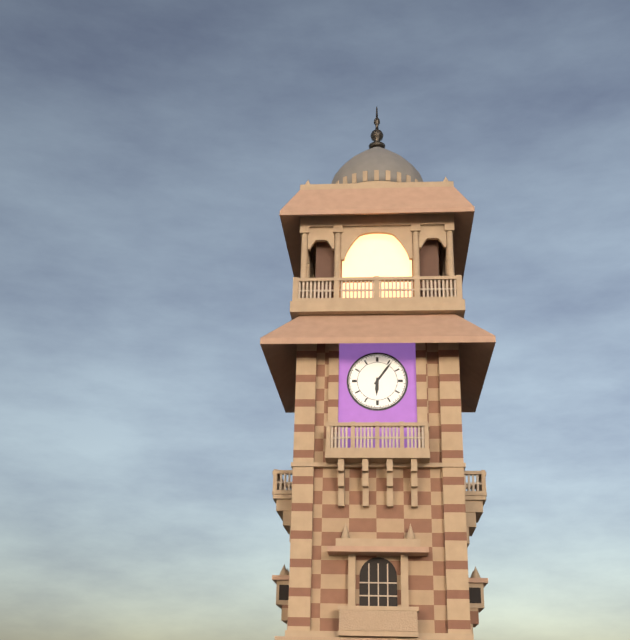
6:06
